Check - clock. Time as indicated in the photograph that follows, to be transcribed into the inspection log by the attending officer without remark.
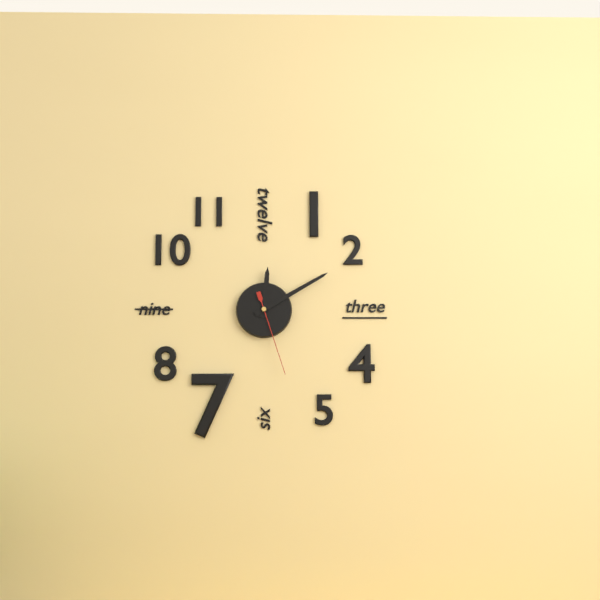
12:10:27
